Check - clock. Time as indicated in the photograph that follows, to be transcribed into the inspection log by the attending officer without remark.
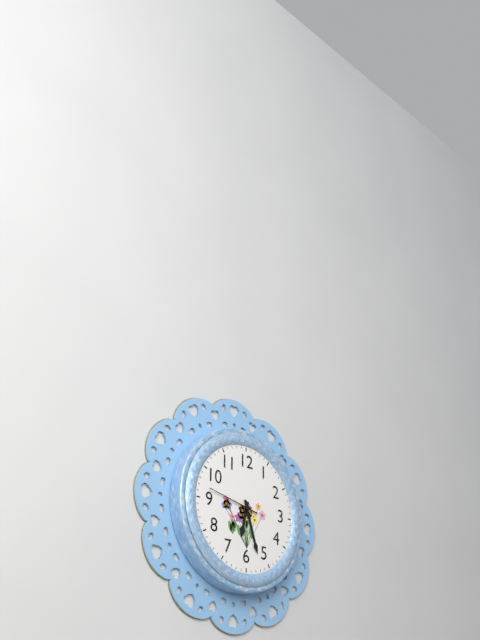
6:27:47
